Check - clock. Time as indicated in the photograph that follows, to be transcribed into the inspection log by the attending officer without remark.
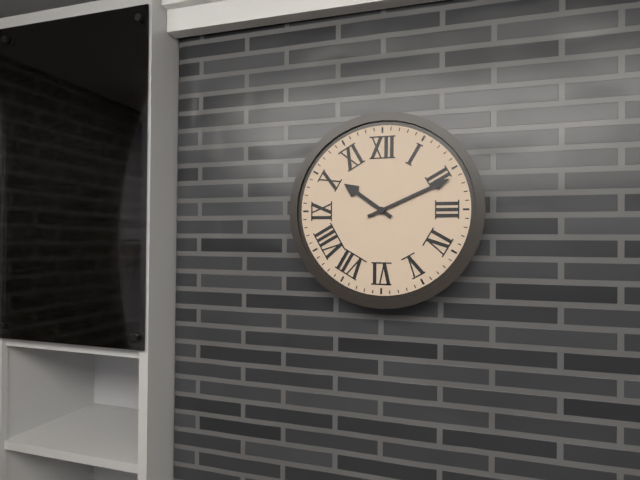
10:11
